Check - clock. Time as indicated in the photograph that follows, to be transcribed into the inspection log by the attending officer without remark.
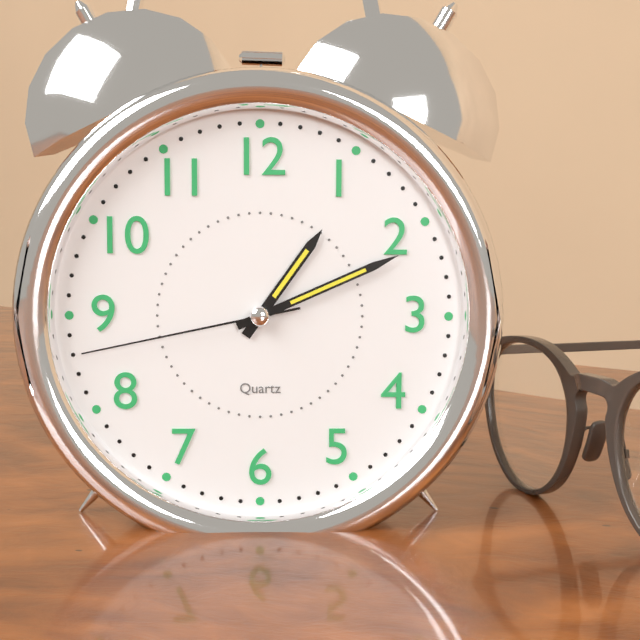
1:11:43
